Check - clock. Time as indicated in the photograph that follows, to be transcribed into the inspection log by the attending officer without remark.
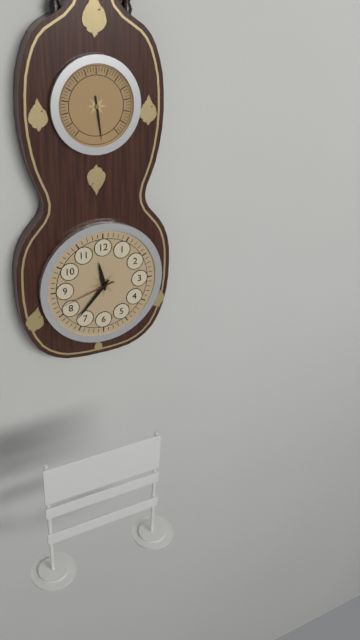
11:37:42
